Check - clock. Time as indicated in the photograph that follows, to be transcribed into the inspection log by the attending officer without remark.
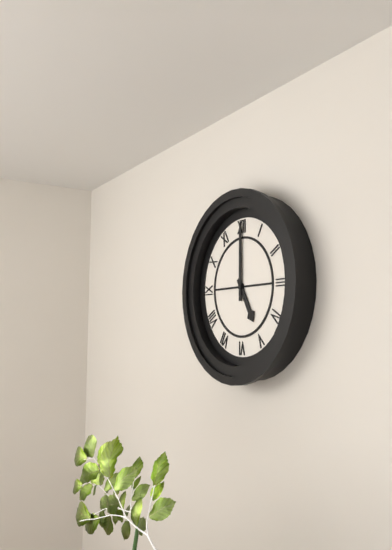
5:00
